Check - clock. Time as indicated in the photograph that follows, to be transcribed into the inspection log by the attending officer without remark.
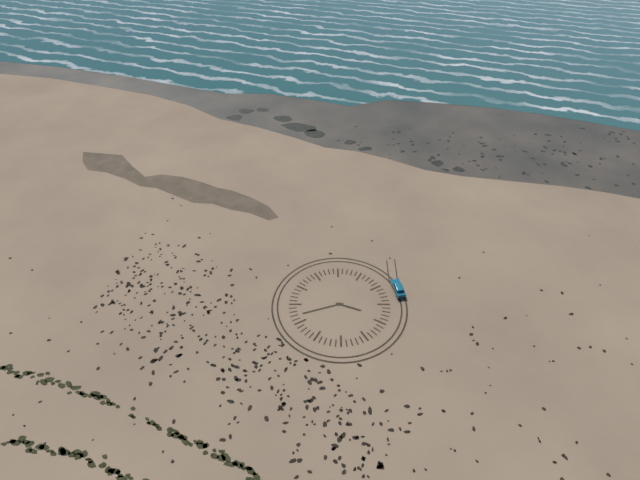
3:42
